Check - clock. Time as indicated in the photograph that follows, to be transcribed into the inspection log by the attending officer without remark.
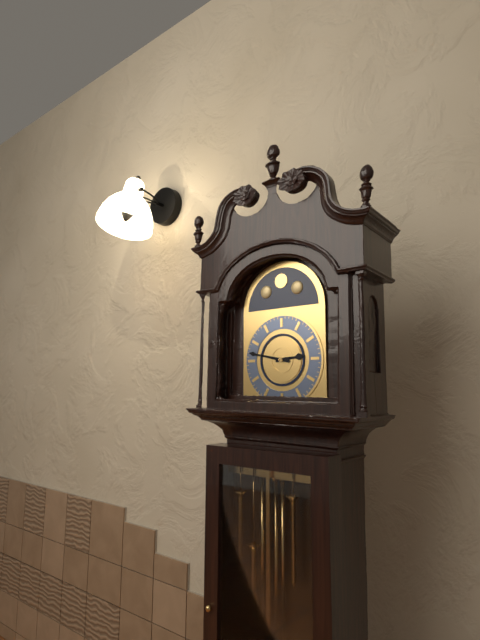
2:47
